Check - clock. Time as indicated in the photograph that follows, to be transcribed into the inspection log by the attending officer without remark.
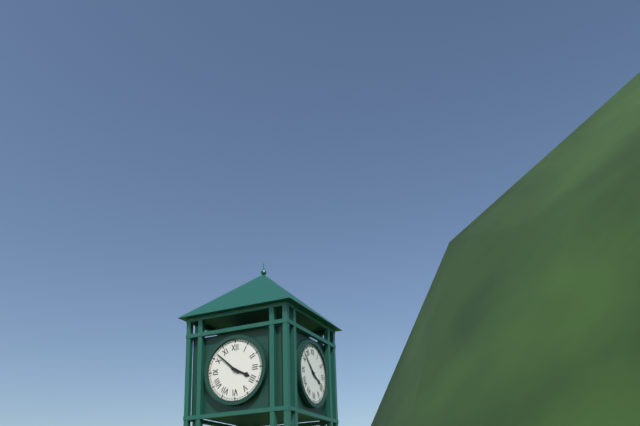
3:52
